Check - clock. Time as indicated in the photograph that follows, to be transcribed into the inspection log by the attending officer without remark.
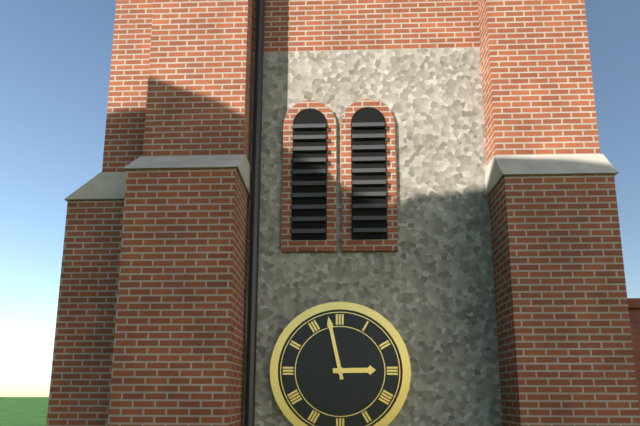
2:58
